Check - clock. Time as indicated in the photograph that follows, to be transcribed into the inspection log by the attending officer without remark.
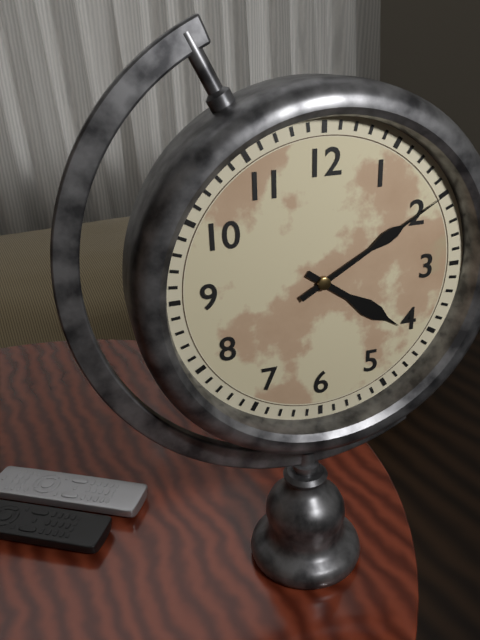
4:10
